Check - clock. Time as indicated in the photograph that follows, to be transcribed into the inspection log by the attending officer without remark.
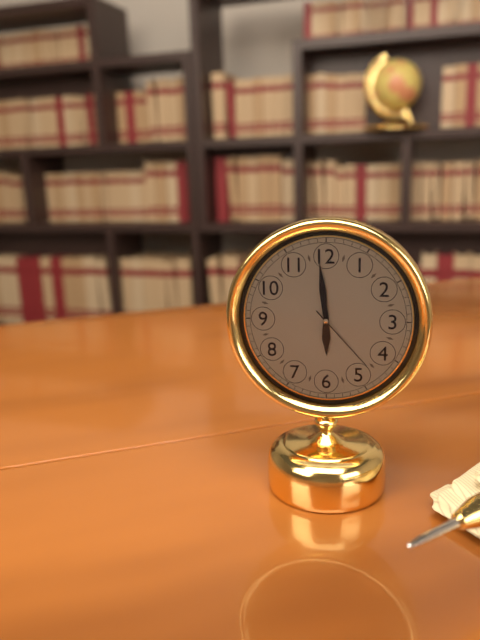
5:59:23
